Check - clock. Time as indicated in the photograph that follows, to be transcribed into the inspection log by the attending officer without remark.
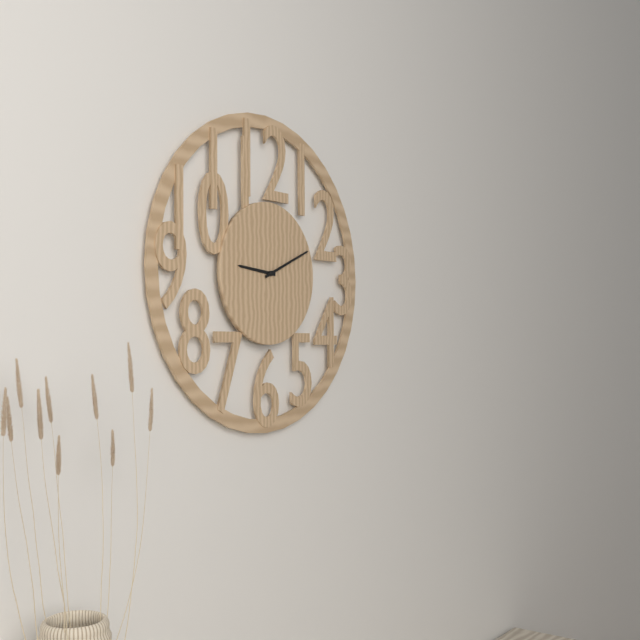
9:11
